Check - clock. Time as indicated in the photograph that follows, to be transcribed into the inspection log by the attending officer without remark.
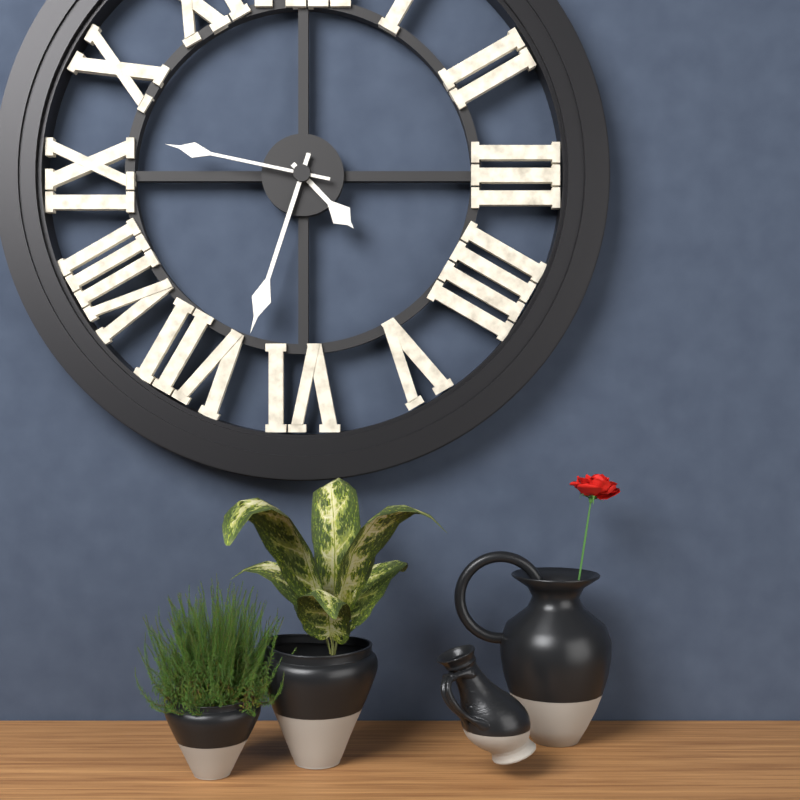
4:33:47
